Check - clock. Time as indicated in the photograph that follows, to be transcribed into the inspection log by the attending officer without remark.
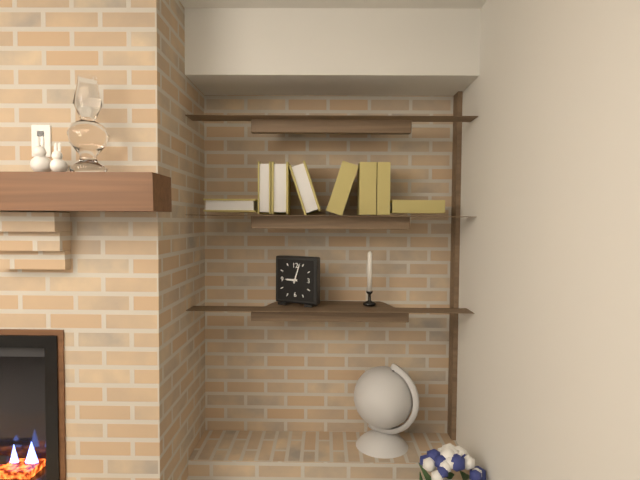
9:03
